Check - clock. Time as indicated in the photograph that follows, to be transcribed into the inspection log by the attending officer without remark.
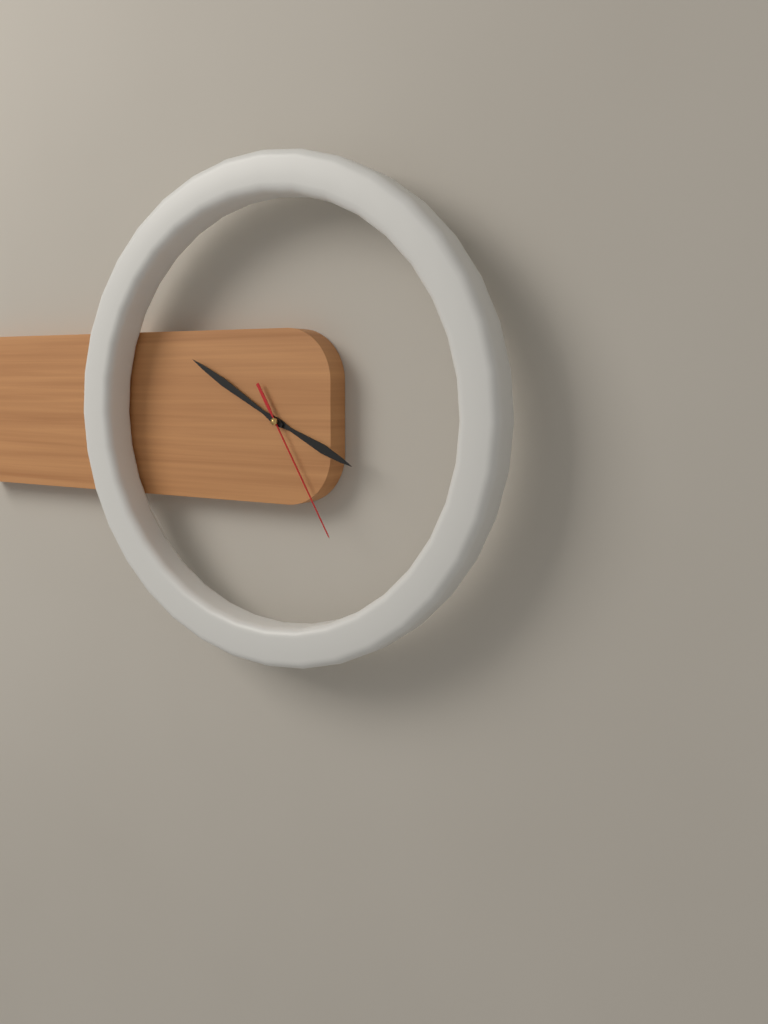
3:50:25
